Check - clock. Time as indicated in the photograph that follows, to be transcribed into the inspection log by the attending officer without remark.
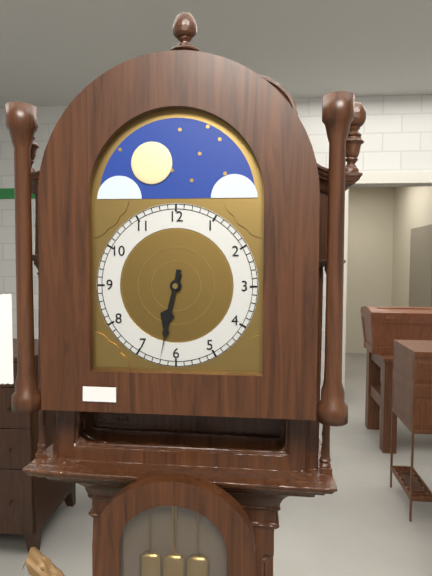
6:32
